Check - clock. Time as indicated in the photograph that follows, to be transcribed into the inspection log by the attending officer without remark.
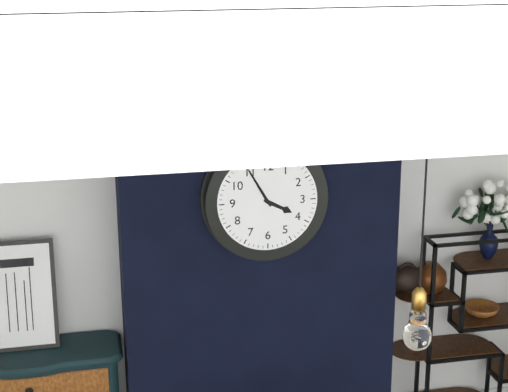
3:55
